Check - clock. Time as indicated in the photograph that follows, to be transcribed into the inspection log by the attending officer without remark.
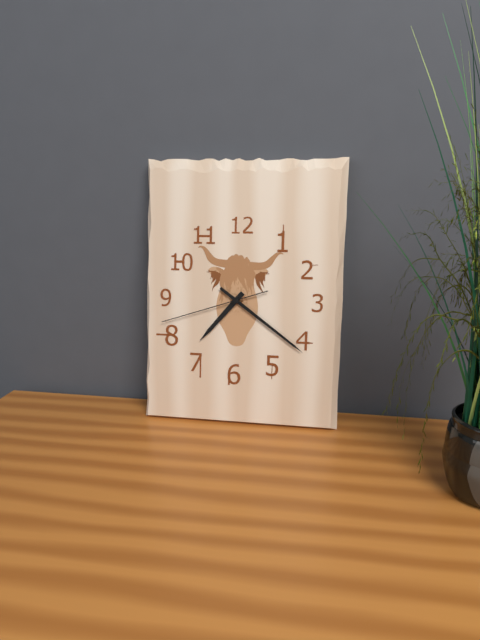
7:21:42
